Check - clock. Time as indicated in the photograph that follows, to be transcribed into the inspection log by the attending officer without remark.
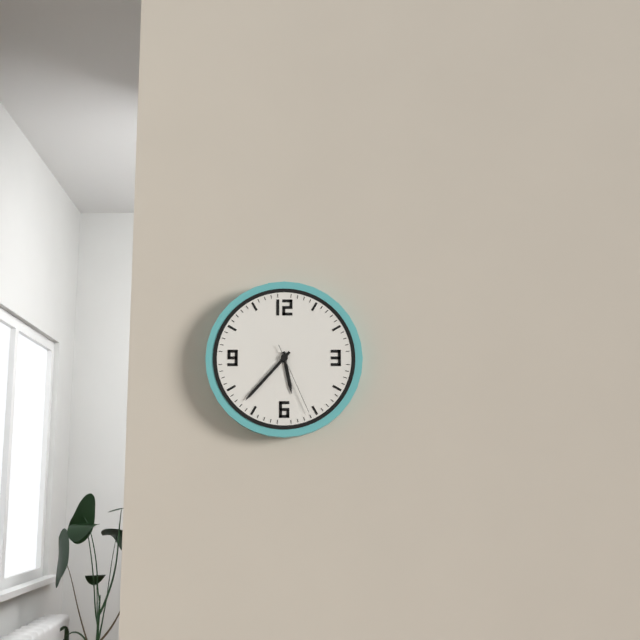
5:37:26
